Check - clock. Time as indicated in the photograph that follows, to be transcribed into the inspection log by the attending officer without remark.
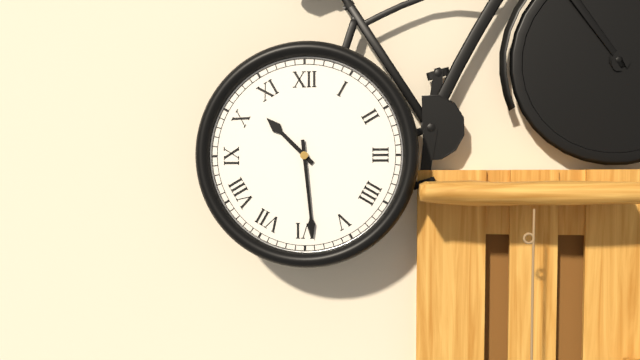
10:29
